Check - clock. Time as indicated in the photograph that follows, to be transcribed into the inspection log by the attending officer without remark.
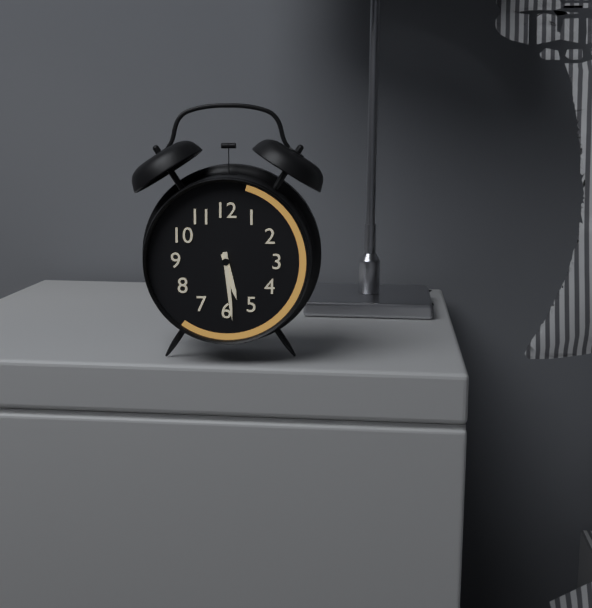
5:29
